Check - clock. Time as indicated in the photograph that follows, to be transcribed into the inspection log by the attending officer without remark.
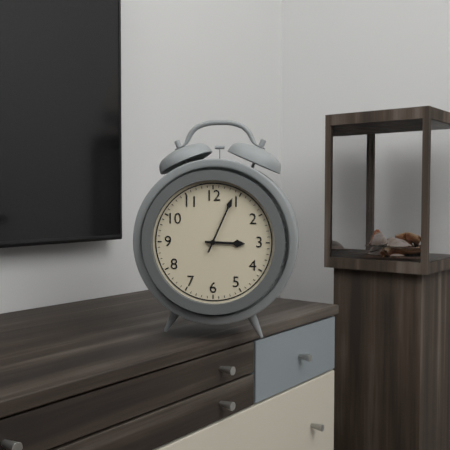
3:04
